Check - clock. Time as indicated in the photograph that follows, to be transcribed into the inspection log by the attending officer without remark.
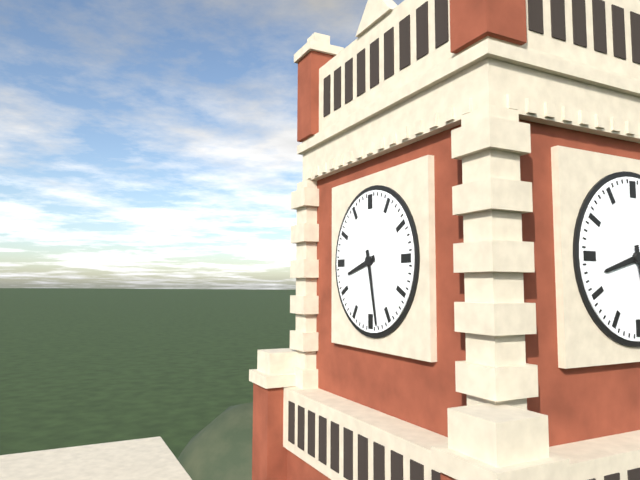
8:28
